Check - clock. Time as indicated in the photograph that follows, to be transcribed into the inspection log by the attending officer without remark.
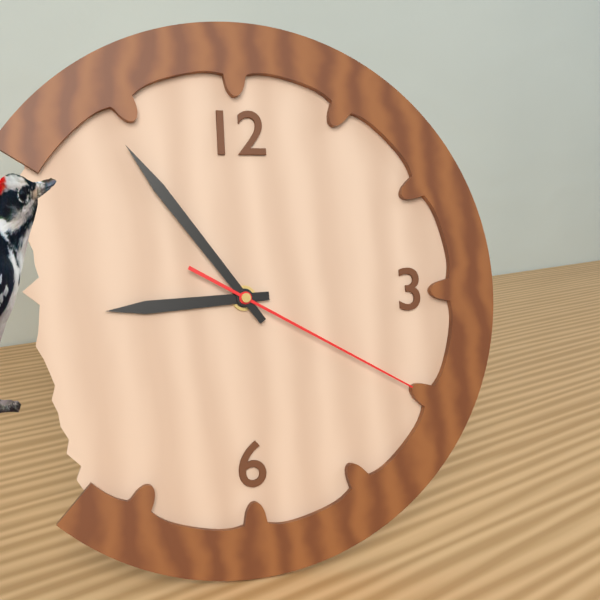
8:54:20
